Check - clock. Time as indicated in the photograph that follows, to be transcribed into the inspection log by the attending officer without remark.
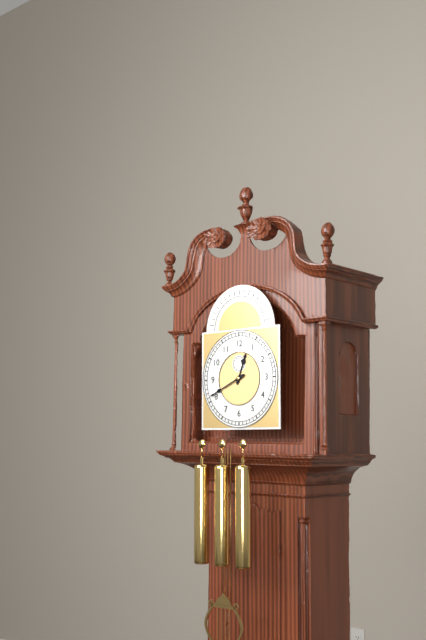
12:41
